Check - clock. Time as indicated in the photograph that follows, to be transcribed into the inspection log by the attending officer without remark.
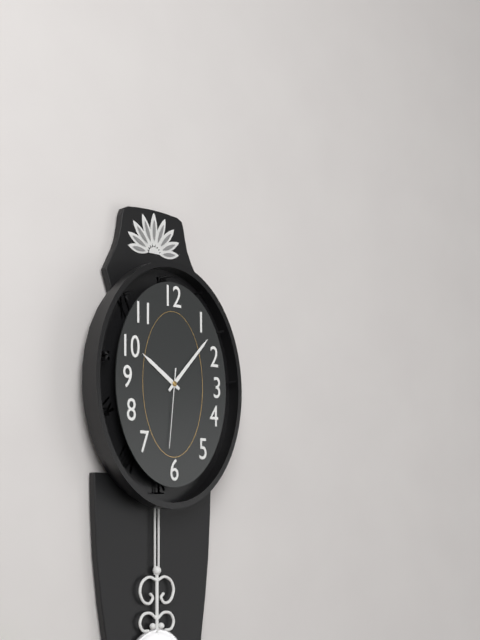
10:07:31
